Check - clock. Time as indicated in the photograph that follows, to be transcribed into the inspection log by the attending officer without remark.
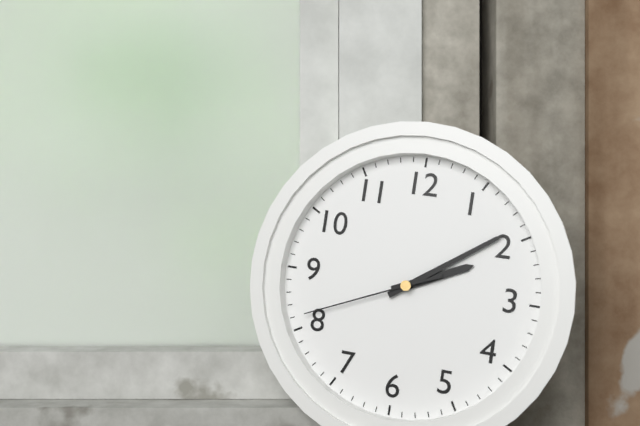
2:09:41
